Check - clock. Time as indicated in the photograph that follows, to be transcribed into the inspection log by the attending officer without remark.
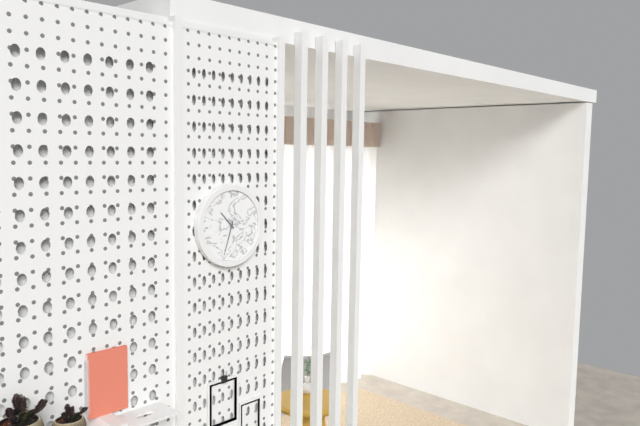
10:33
